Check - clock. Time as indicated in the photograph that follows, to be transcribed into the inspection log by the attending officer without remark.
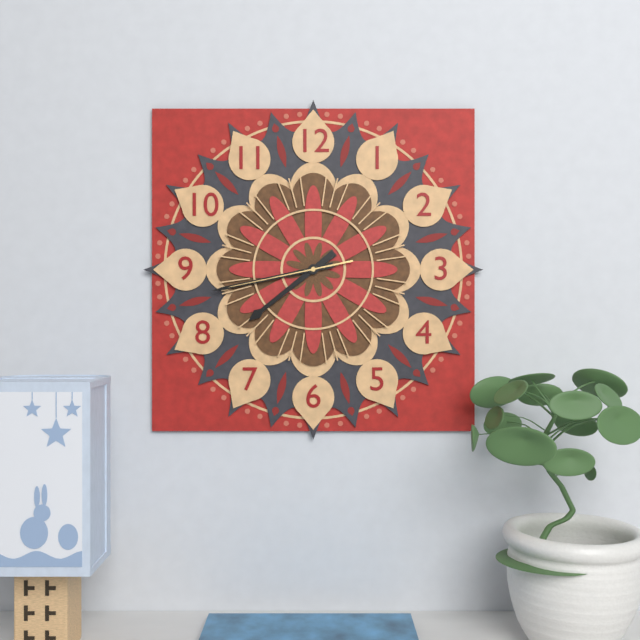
7:43:43
